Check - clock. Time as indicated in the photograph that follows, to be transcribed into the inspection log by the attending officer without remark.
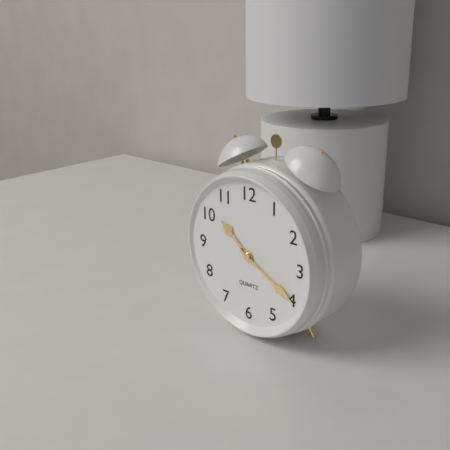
10:20
